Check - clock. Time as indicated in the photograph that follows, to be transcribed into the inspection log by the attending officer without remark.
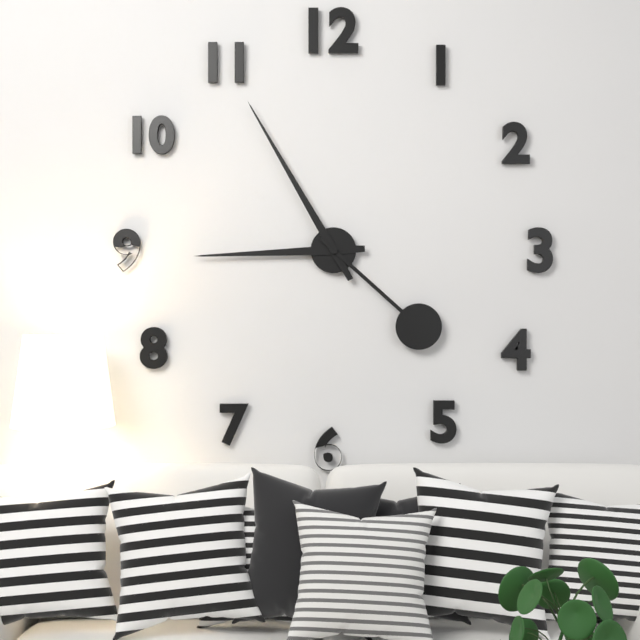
8:55:22
